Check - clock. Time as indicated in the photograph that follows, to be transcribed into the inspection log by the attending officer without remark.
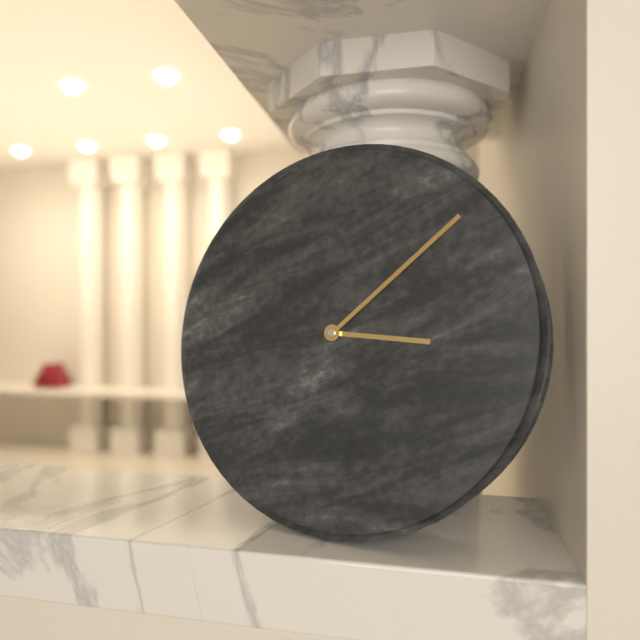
3:08
